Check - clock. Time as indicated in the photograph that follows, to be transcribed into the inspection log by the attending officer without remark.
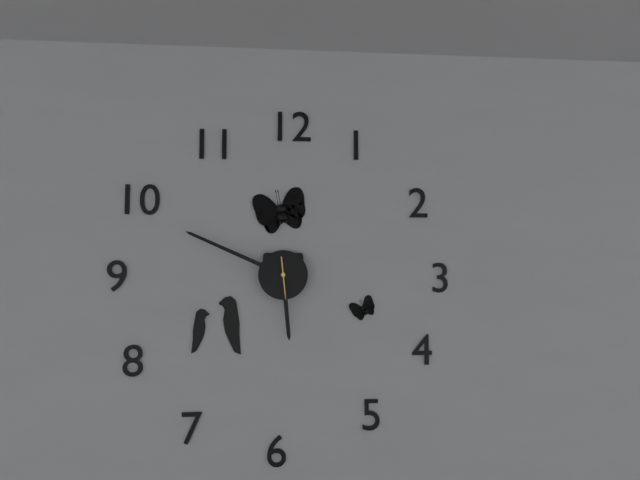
5:49
